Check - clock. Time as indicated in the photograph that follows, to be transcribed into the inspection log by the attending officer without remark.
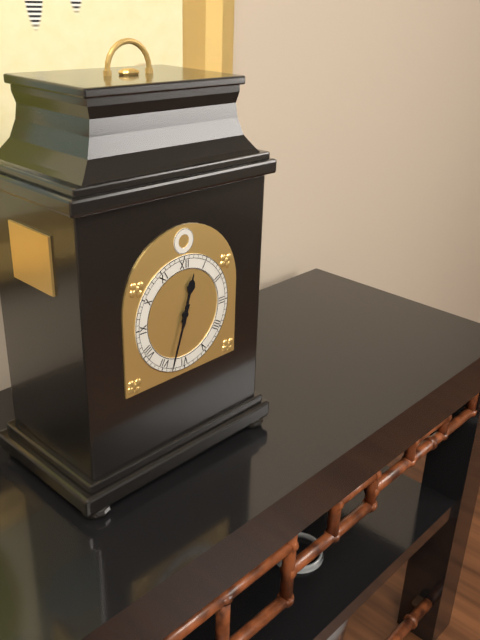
12:33
